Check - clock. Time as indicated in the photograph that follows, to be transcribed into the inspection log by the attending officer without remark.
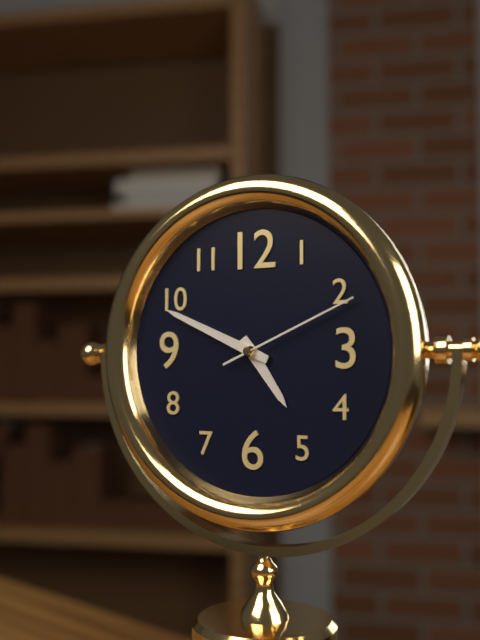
4:49:11
